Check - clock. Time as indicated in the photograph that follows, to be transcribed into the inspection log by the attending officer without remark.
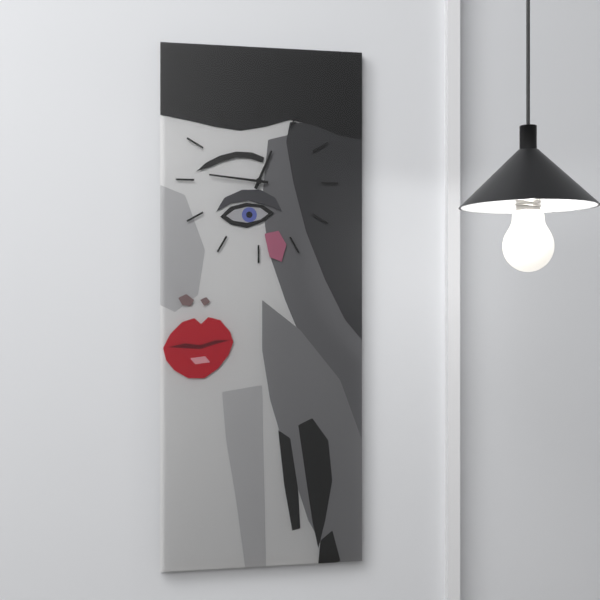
12:46
